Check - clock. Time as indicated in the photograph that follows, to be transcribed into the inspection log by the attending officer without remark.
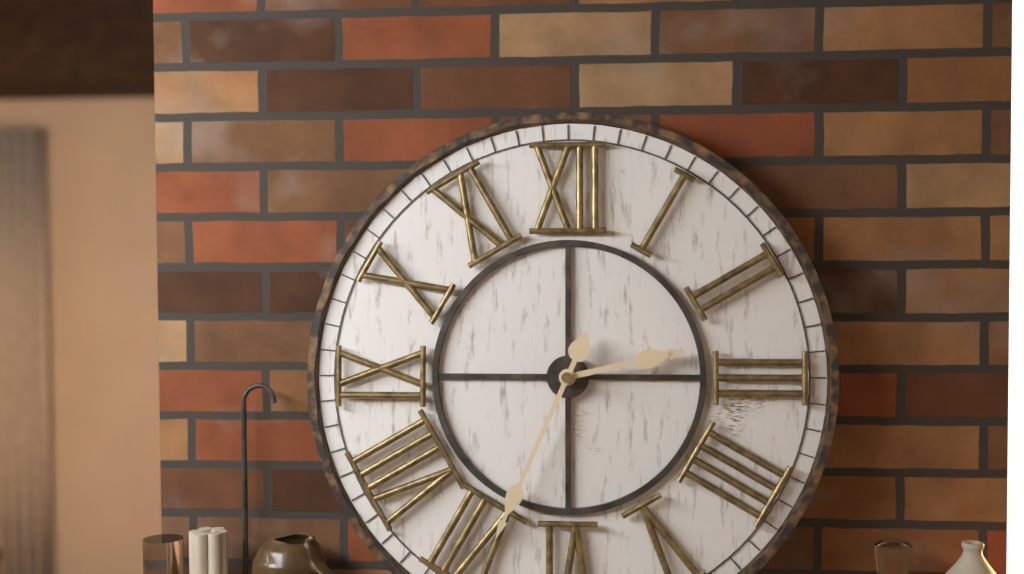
2:34
